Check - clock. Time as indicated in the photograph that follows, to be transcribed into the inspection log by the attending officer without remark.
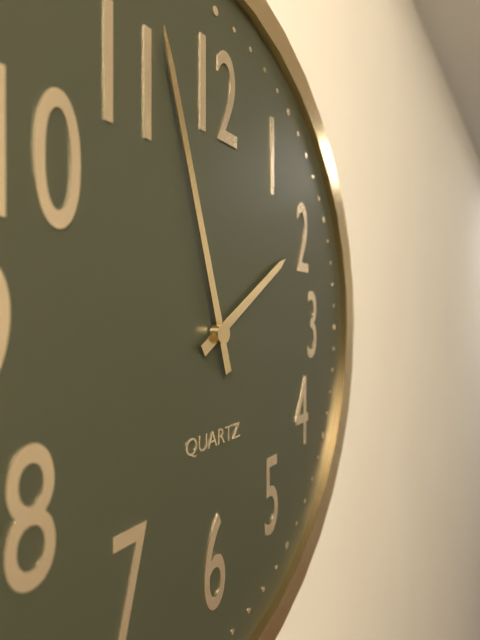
1:57
